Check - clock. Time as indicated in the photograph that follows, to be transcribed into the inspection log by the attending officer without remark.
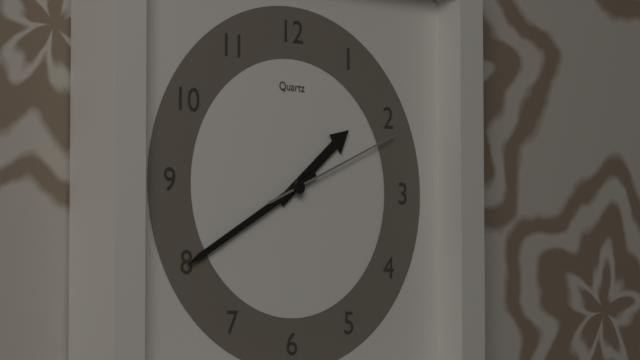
1:40:11
